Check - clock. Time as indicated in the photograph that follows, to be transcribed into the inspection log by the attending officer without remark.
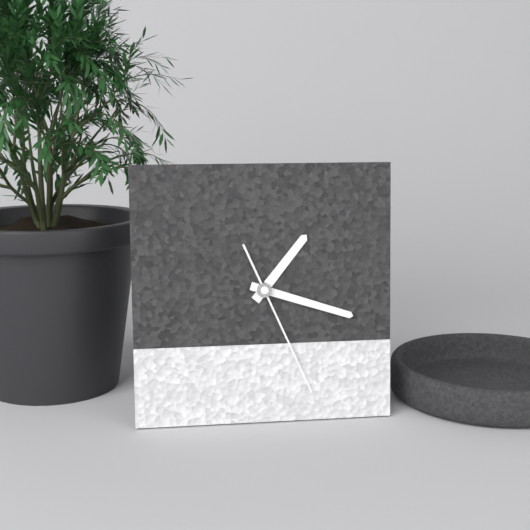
1:18:26
